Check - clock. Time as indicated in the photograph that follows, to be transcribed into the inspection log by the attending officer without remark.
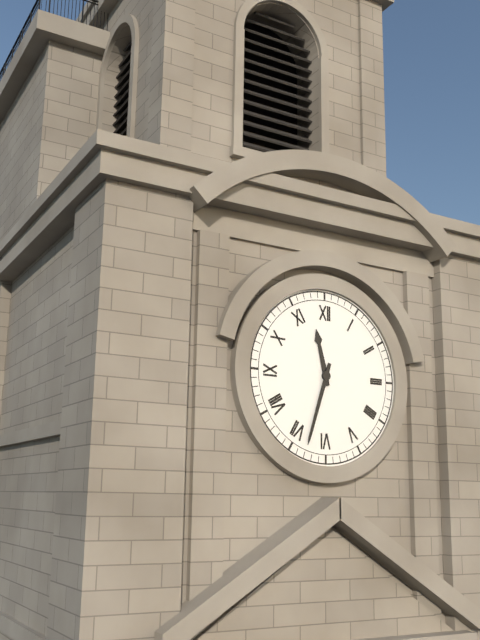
11:33
